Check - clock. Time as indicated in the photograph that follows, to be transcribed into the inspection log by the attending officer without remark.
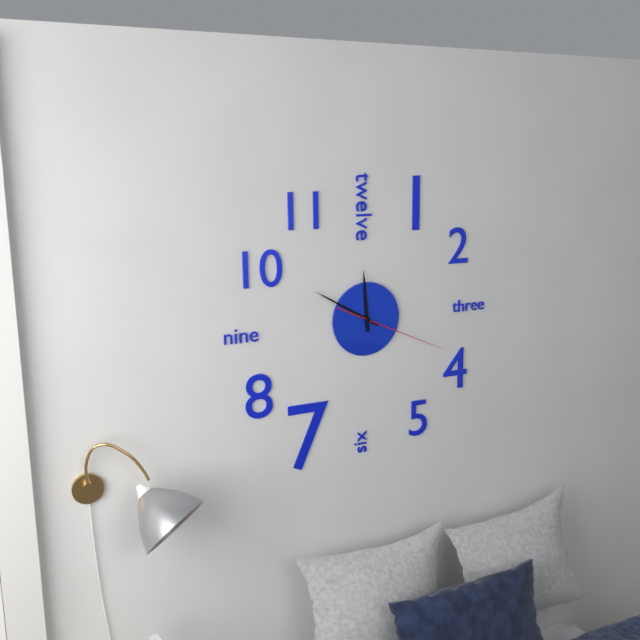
11:50:19
